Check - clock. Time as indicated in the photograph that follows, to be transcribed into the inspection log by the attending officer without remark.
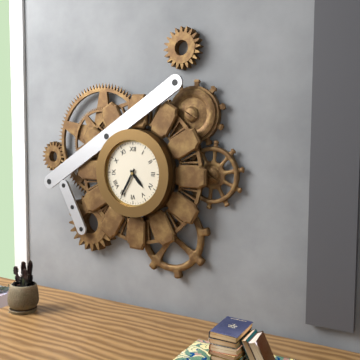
4:35
